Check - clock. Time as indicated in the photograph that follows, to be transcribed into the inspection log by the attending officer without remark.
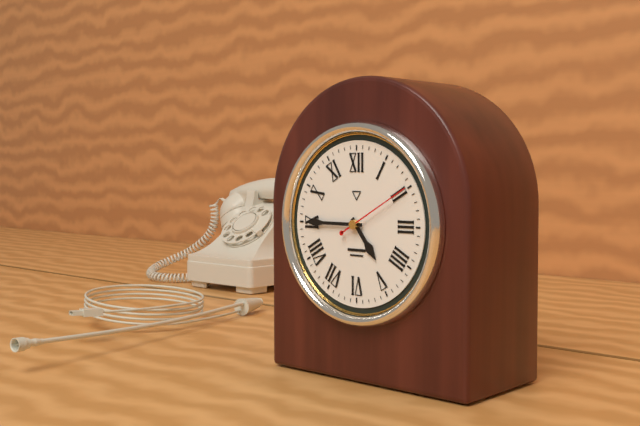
4:45:10
